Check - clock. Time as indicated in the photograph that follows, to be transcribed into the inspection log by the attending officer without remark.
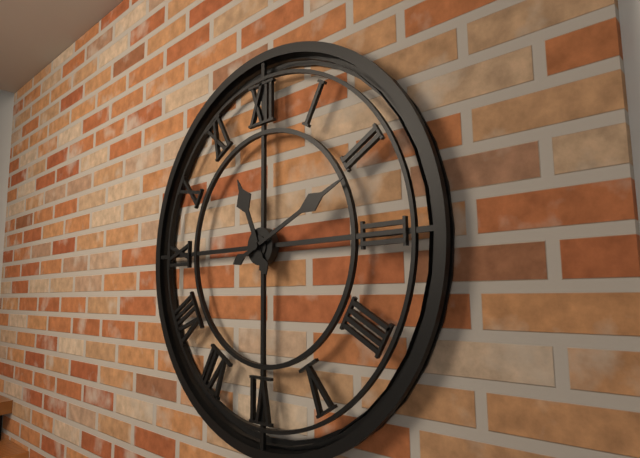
11:11
